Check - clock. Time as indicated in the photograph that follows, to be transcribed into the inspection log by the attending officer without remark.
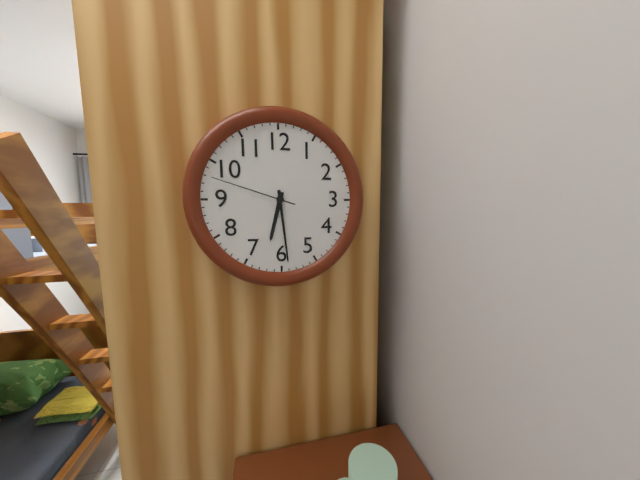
6:29:48
